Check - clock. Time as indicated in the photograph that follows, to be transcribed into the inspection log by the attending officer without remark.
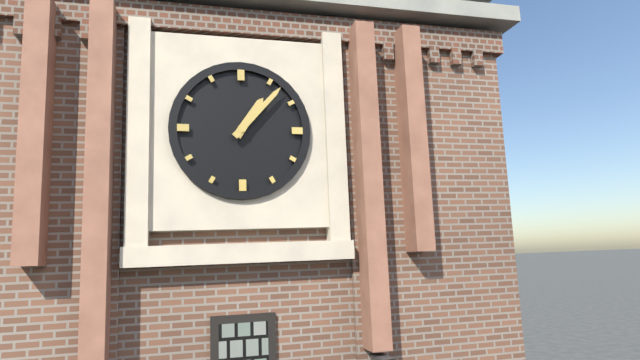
1:07
